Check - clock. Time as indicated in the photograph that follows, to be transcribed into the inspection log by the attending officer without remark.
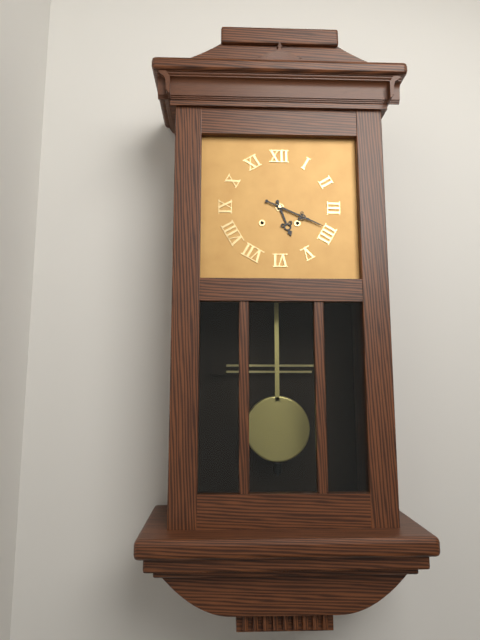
5:19
